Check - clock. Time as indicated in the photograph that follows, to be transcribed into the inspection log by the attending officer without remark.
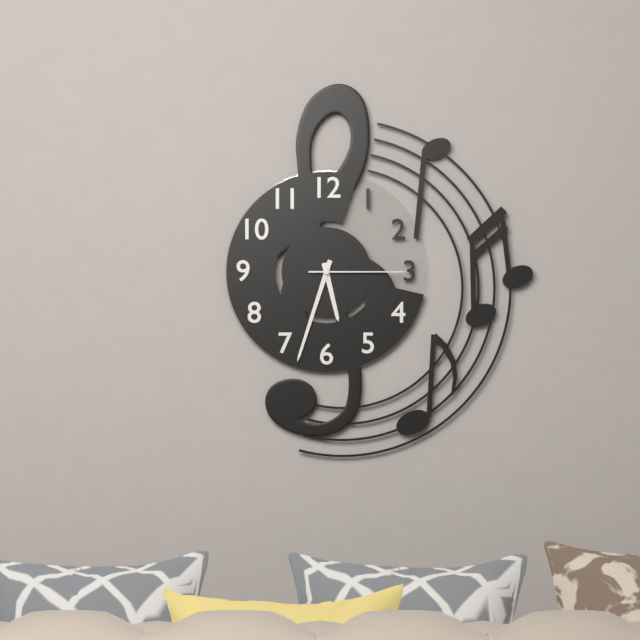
5:33:15
